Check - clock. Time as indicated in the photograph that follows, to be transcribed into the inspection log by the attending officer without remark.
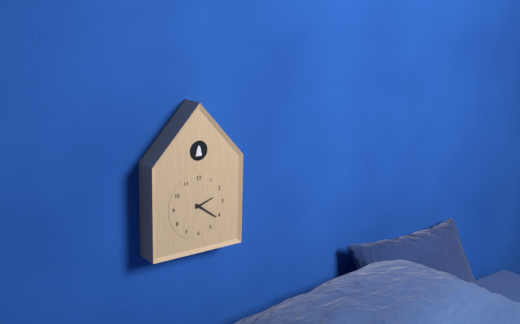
2:21
